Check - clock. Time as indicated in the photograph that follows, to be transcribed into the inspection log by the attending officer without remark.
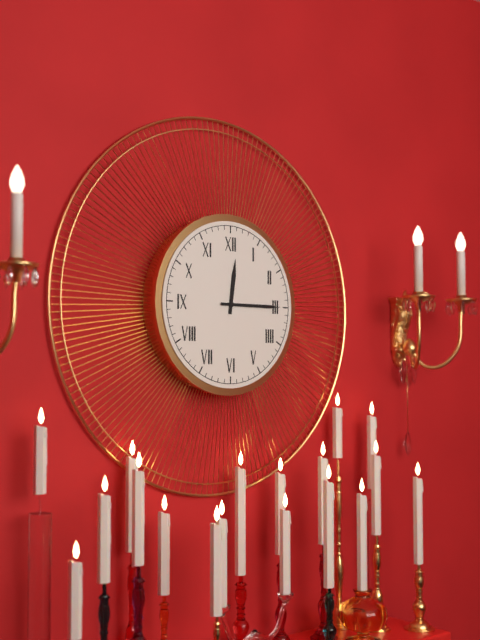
12:15
